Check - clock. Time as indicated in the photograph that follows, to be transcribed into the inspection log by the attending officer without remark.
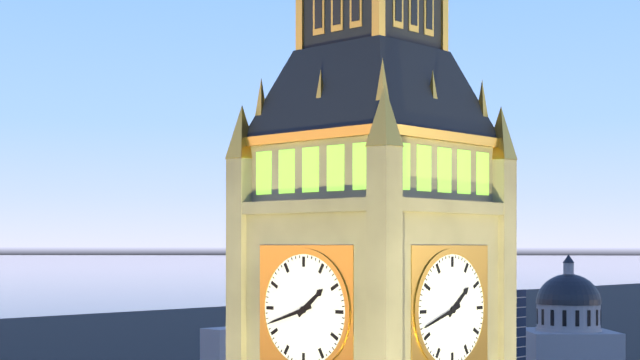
1:42
